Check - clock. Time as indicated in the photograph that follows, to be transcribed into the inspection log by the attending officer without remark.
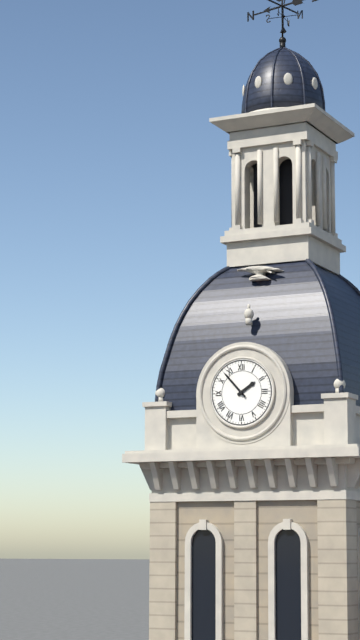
1:53
